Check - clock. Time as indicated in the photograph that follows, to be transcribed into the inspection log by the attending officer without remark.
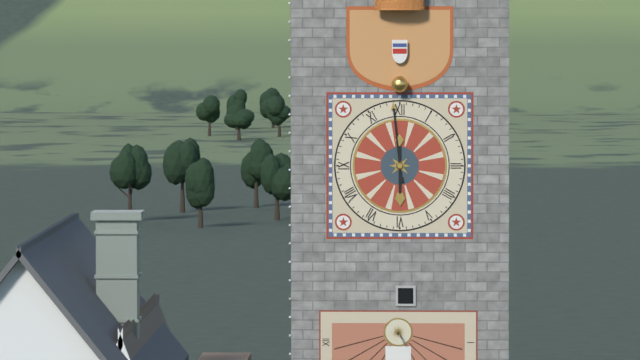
5:59
